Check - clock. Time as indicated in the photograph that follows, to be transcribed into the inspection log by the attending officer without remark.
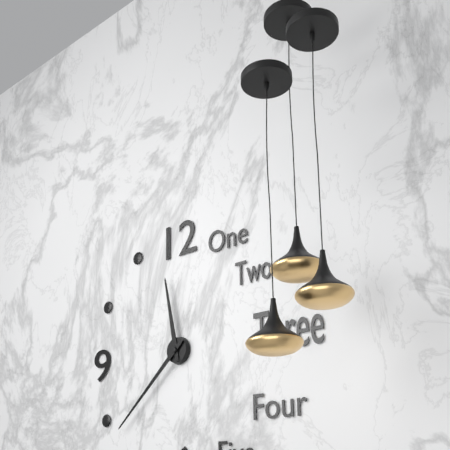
11:38
